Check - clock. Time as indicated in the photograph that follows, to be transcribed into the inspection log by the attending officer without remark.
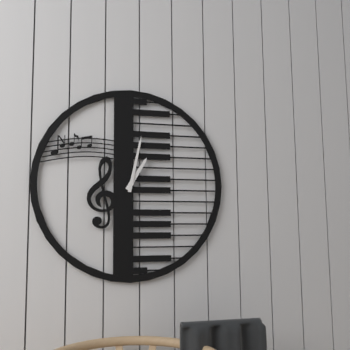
1:02
